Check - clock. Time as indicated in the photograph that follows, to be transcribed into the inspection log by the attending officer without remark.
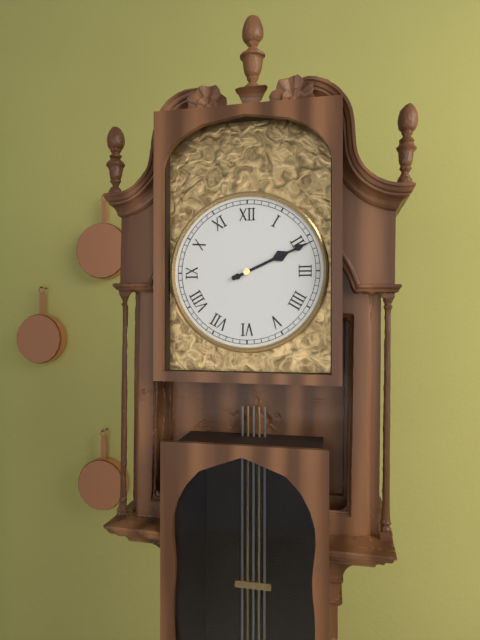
2:11
